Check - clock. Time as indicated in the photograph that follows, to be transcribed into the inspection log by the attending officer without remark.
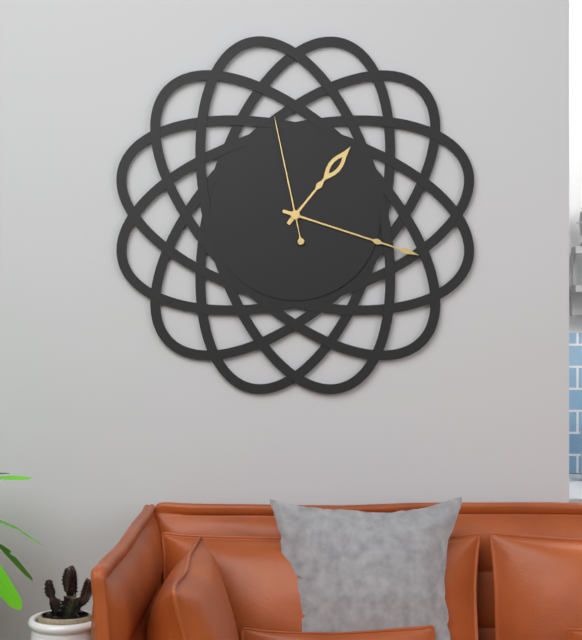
1:18:58
